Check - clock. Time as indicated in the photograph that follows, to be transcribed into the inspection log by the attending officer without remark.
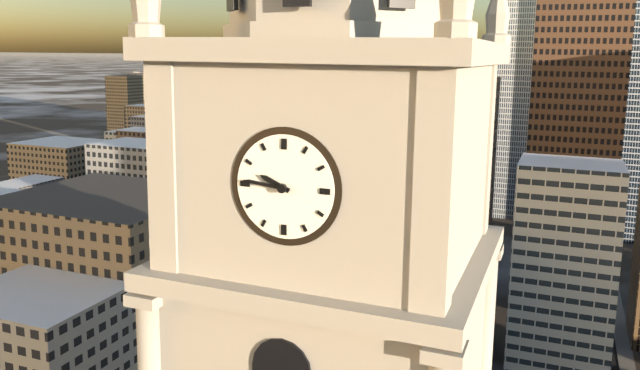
9:46
